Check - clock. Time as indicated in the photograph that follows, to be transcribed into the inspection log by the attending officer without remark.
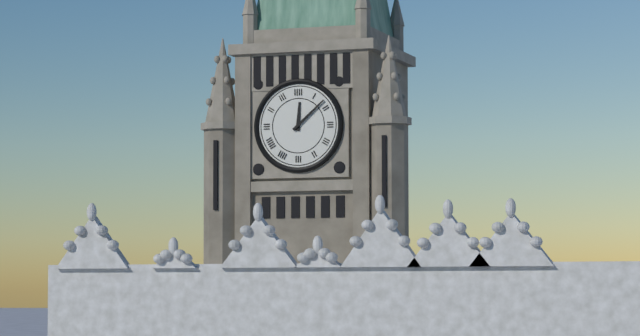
12:08
